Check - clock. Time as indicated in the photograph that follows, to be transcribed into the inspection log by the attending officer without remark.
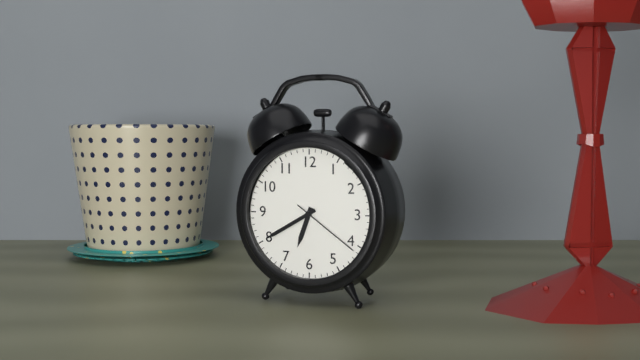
6:40:21
